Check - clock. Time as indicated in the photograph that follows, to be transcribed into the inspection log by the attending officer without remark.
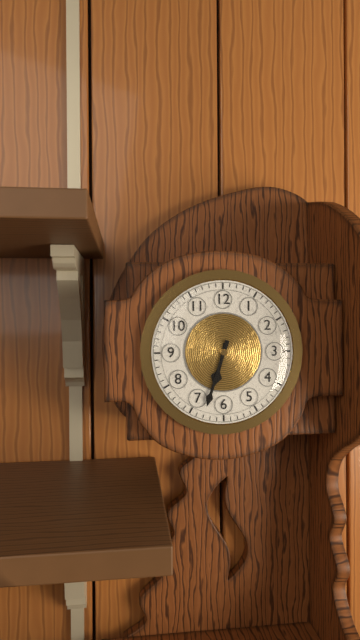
6:33
